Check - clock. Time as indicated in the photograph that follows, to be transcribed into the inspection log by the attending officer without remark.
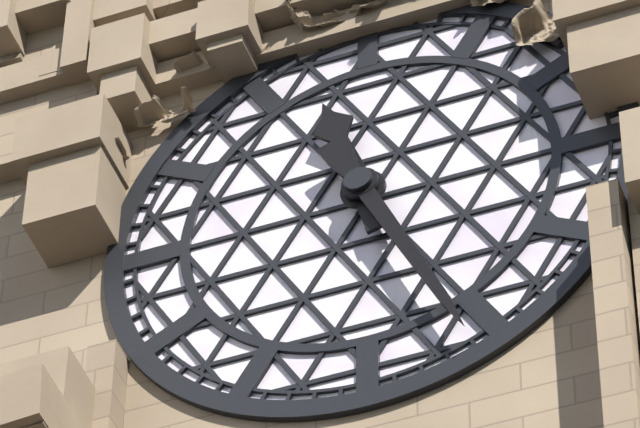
11:26
